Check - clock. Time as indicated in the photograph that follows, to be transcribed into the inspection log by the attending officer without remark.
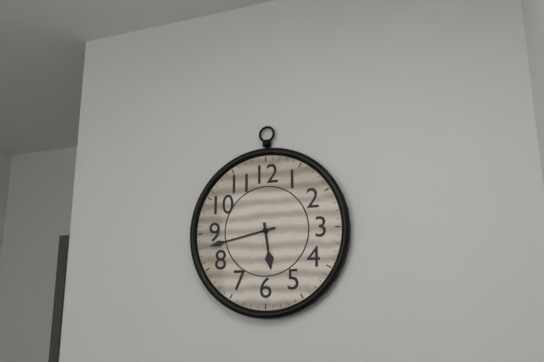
5:43
